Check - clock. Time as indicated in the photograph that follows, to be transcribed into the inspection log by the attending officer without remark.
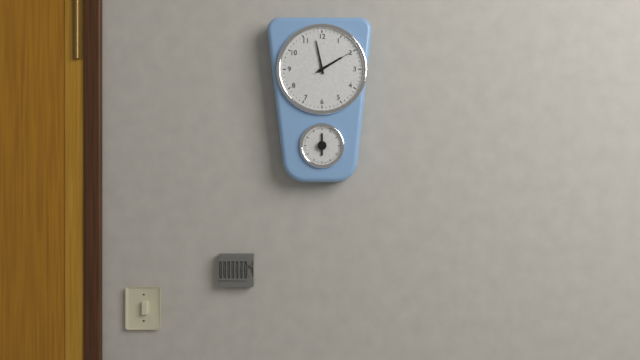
1:58
